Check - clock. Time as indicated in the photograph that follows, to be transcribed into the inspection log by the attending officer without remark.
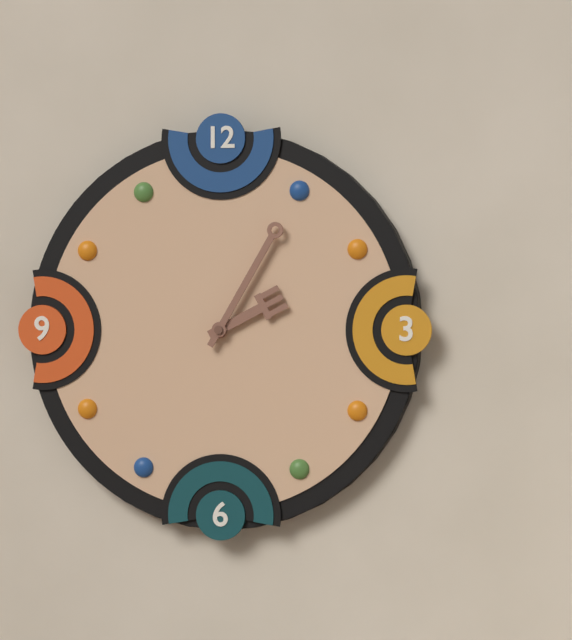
2:05
